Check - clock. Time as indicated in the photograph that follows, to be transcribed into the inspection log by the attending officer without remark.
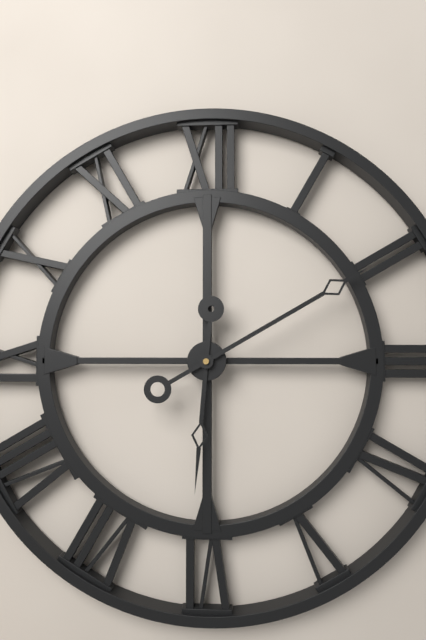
6:10
